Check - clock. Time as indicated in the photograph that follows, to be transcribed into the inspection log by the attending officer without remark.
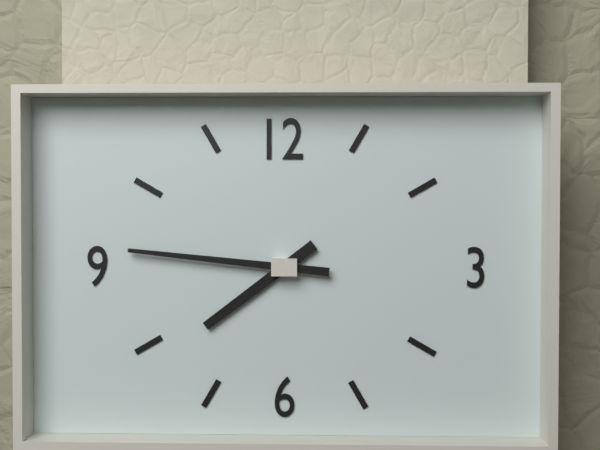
7:46
